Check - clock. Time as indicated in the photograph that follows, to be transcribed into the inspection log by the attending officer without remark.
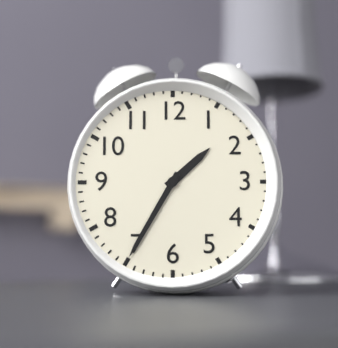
1:35
